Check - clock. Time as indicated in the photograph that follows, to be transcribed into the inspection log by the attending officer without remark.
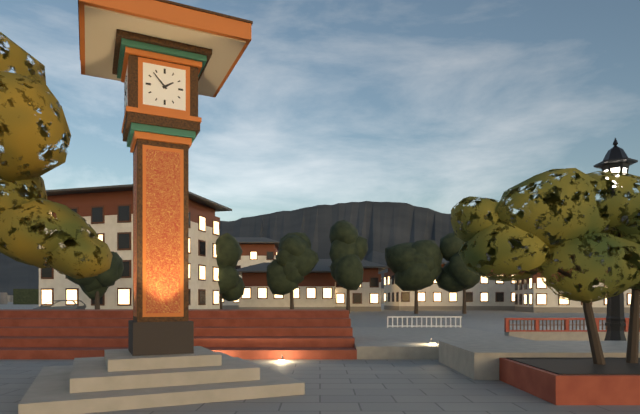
1:53
